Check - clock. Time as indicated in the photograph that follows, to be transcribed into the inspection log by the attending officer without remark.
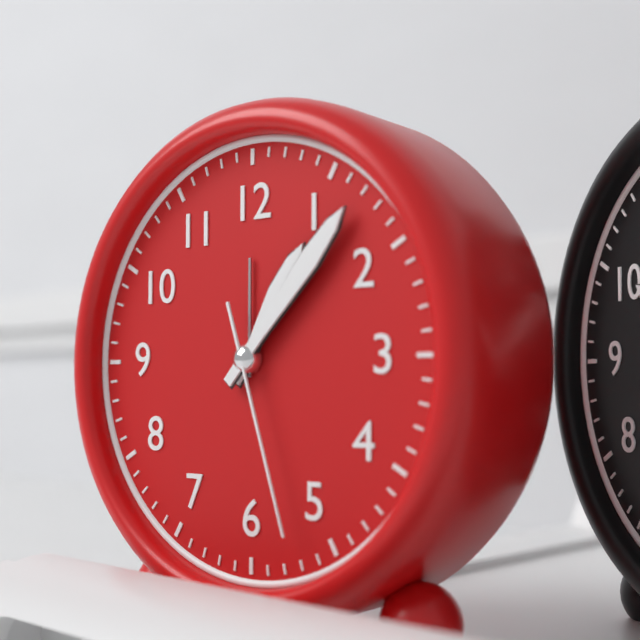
1:07:27
